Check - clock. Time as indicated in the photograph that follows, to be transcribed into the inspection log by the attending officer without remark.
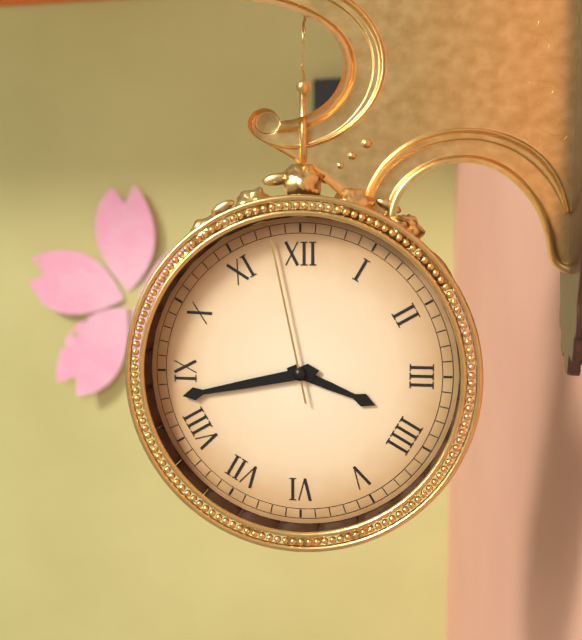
3:43:58
